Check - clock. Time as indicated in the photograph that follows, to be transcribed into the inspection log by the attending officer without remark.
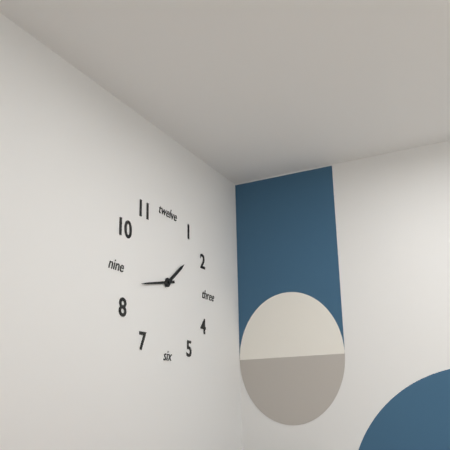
1:43
